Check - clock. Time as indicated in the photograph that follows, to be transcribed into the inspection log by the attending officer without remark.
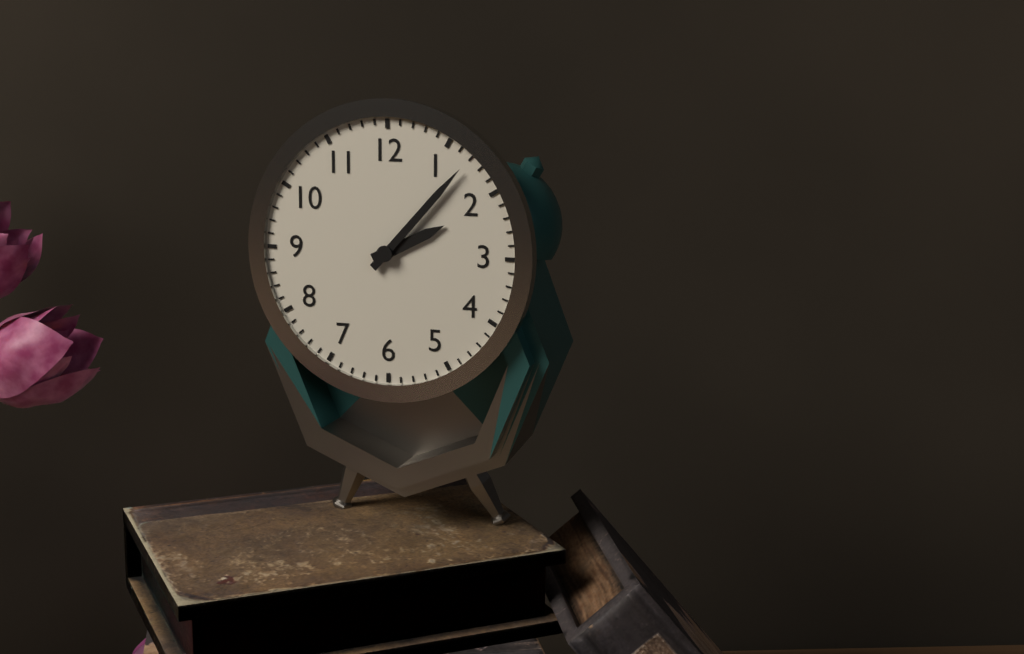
2:07
